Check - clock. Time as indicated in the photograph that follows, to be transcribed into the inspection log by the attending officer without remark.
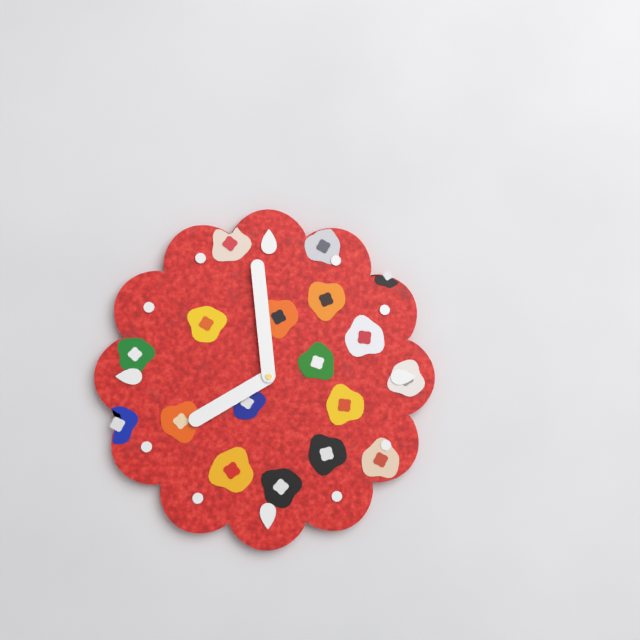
7:59
